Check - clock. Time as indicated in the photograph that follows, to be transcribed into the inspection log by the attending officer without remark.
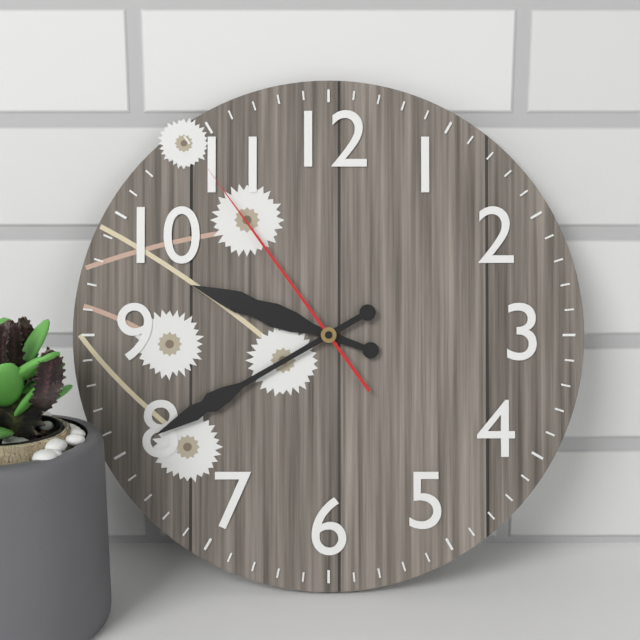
9:40:54
